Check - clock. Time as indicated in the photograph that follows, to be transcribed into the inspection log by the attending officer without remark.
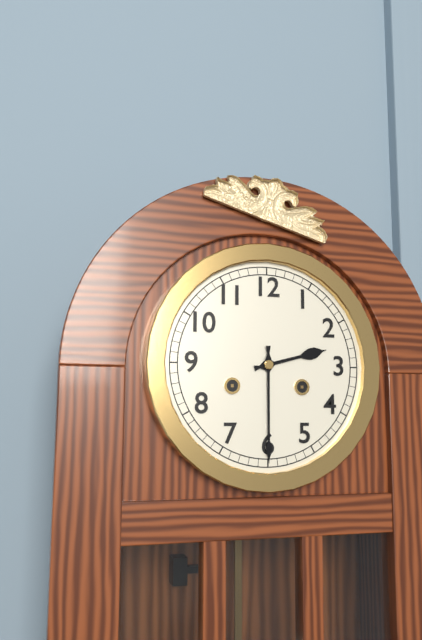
2:30
